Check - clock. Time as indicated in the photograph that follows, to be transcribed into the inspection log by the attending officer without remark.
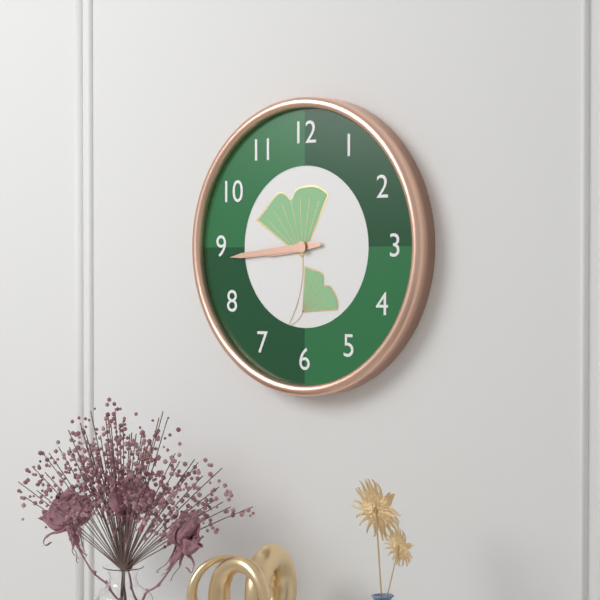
8:44
